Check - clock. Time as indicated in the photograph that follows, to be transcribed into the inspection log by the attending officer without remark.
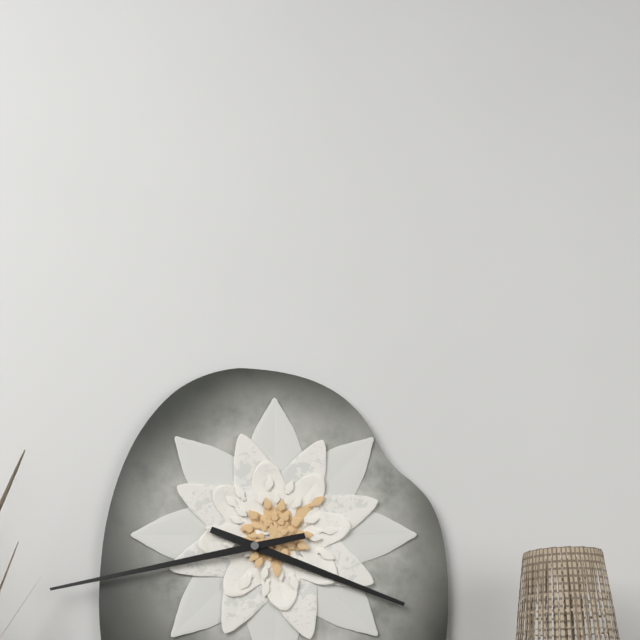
3:43
